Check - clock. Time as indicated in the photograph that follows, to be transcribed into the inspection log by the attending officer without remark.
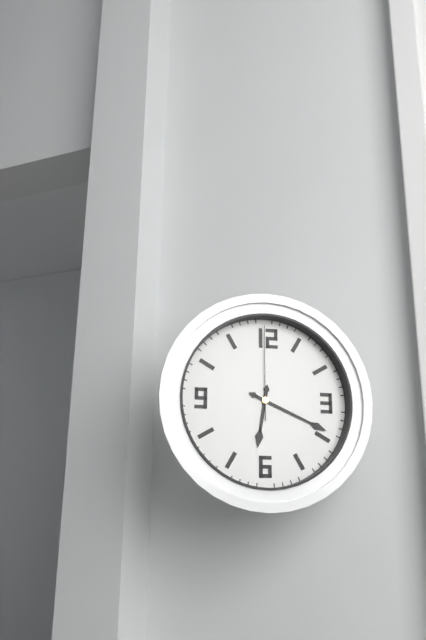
6:19:00
